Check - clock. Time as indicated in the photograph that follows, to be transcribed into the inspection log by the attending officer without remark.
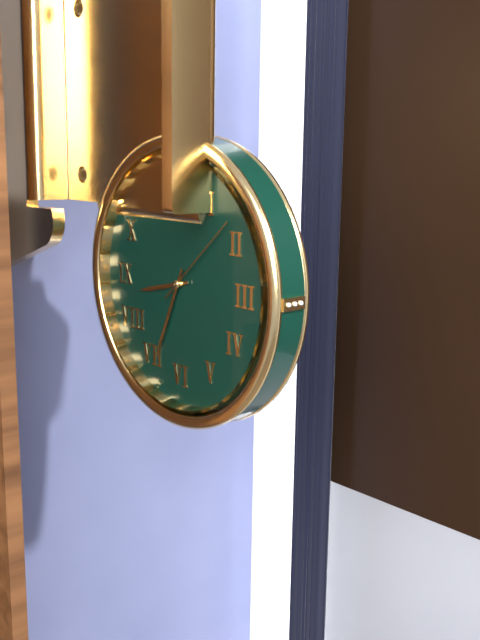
8:34:08
